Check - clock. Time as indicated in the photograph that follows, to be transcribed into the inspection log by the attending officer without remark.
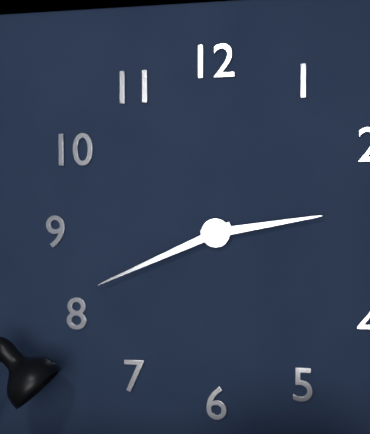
2:41
